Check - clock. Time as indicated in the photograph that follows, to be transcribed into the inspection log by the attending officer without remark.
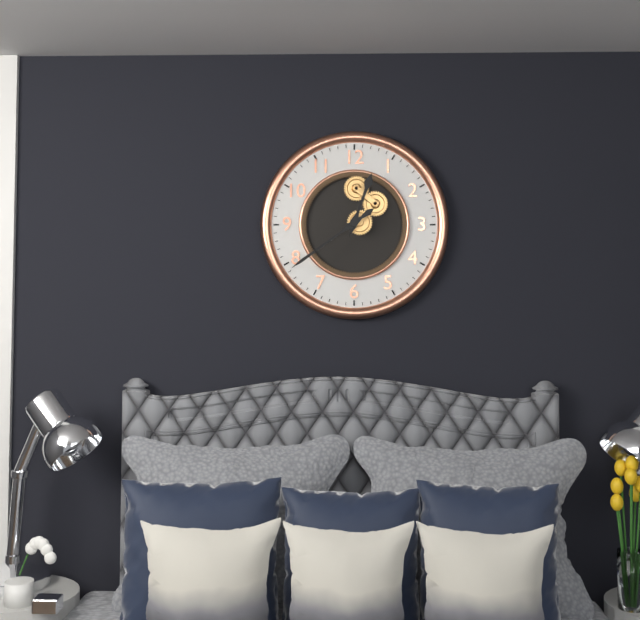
12:39
